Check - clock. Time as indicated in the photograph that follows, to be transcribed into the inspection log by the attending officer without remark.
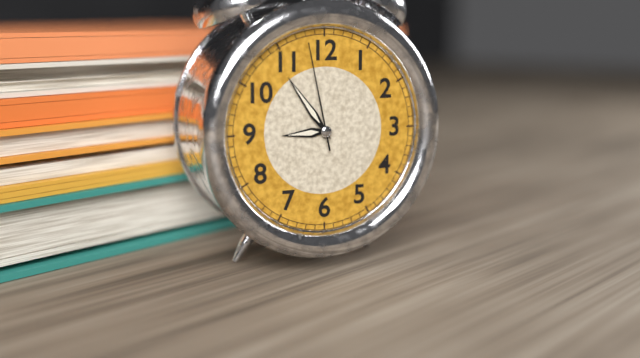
8:54:58
